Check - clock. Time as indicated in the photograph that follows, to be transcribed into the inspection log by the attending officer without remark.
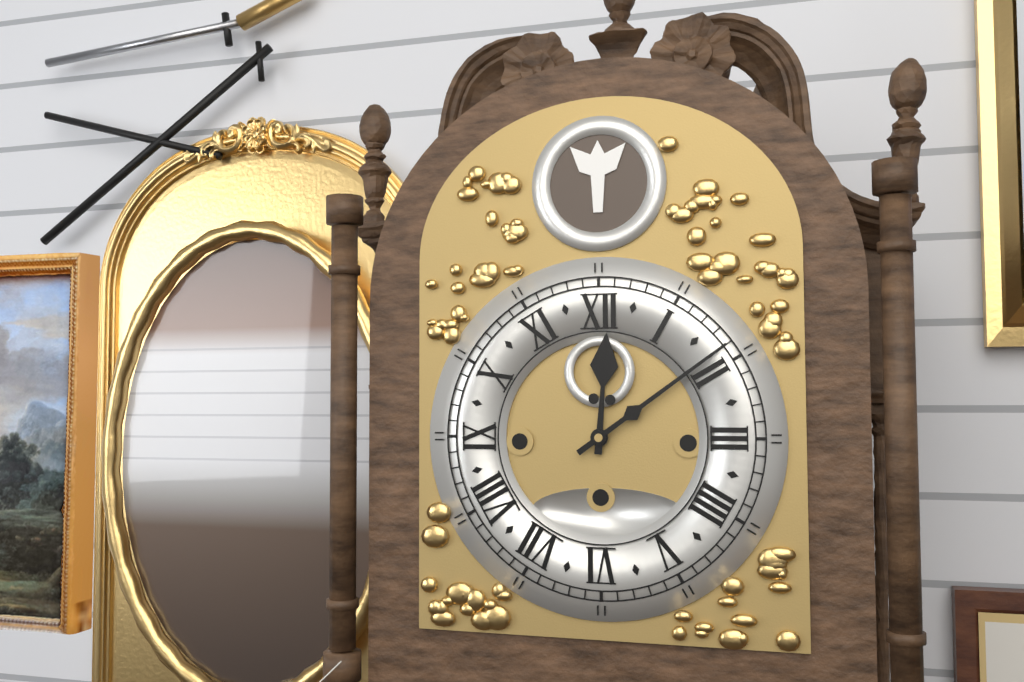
12:09
